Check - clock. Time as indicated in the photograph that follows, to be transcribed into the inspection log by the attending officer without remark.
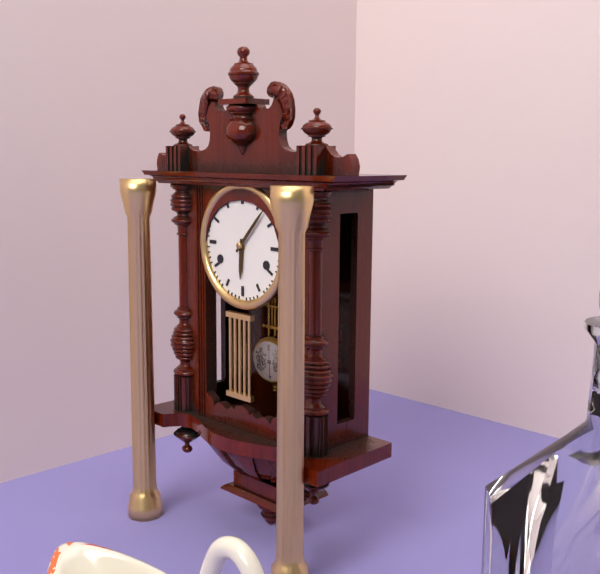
6:07
